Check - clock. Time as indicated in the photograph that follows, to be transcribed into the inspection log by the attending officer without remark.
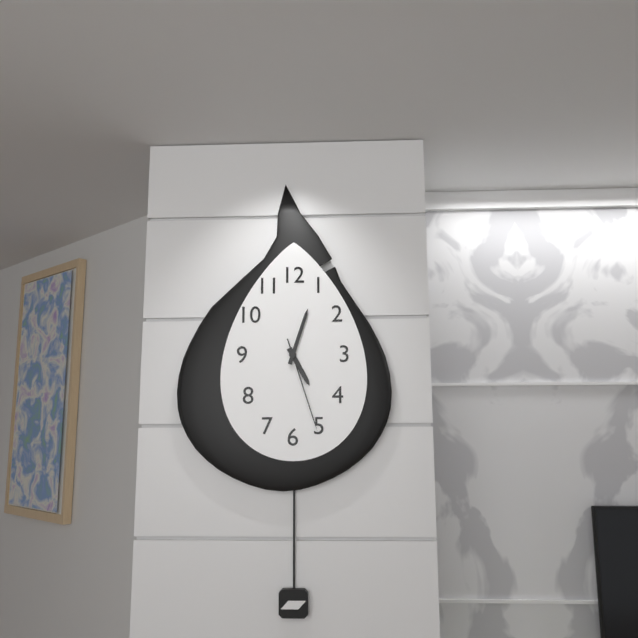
5:03:27
